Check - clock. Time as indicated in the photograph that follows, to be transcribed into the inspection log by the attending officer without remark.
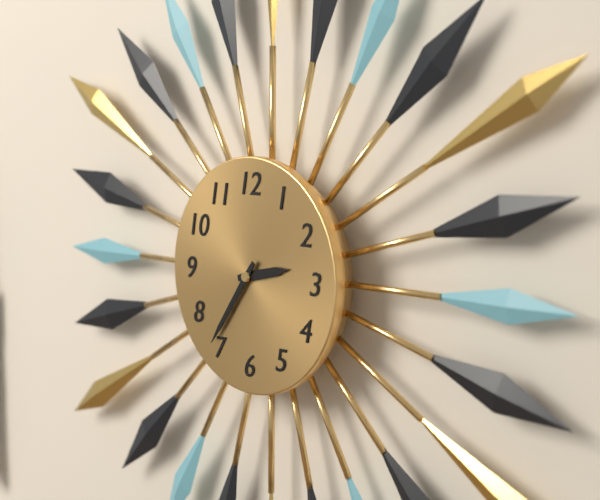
2:36
